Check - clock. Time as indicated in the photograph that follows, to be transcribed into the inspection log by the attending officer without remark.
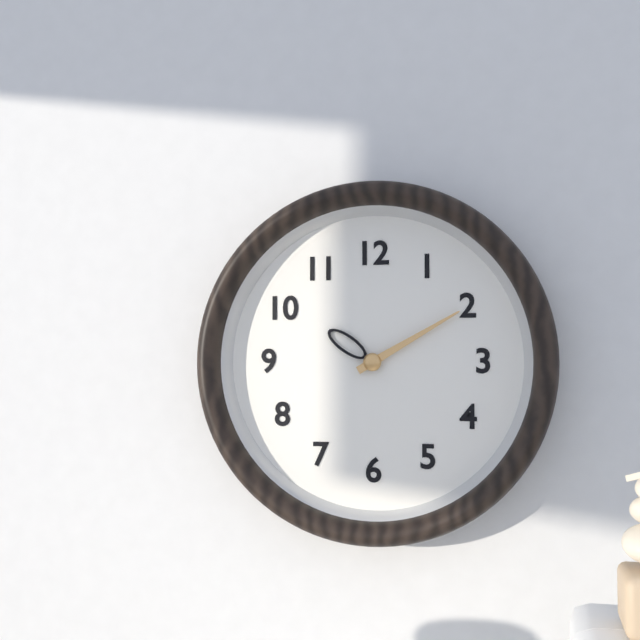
10:10
